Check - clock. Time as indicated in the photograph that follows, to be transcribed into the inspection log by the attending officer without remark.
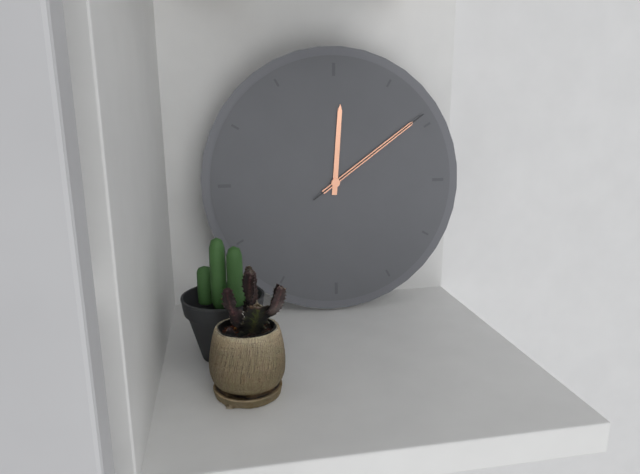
12:09:09
